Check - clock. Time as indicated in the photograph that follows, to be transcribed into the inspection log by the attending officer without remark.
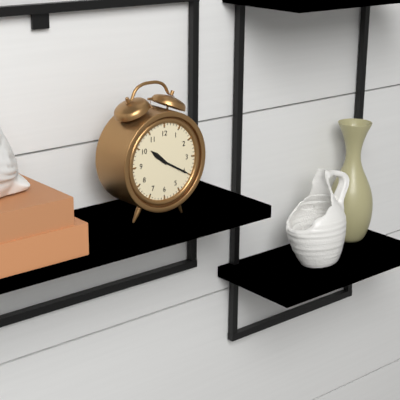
10:20
